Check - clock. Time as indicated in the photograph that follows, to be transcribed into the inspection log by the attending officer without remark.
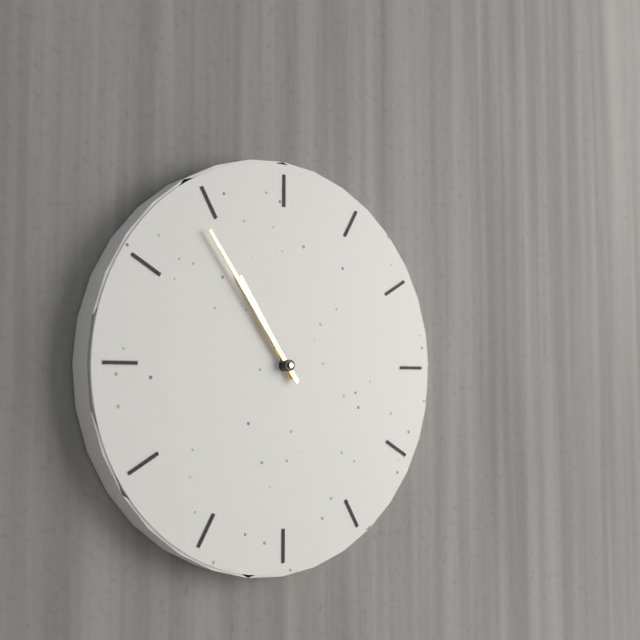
10:54
